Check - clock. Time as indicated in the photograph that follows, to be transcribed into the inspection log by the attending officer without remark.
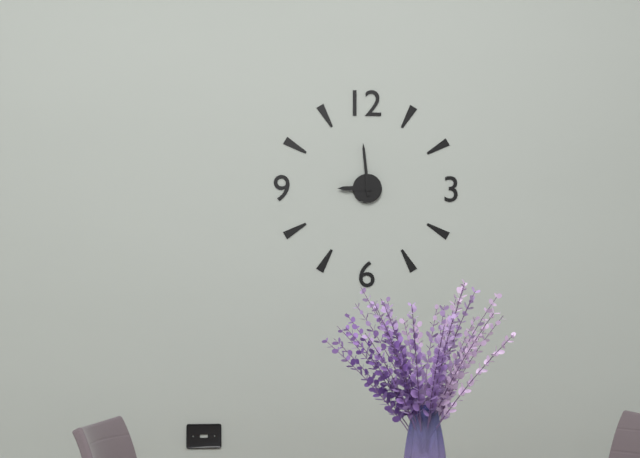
8:59
